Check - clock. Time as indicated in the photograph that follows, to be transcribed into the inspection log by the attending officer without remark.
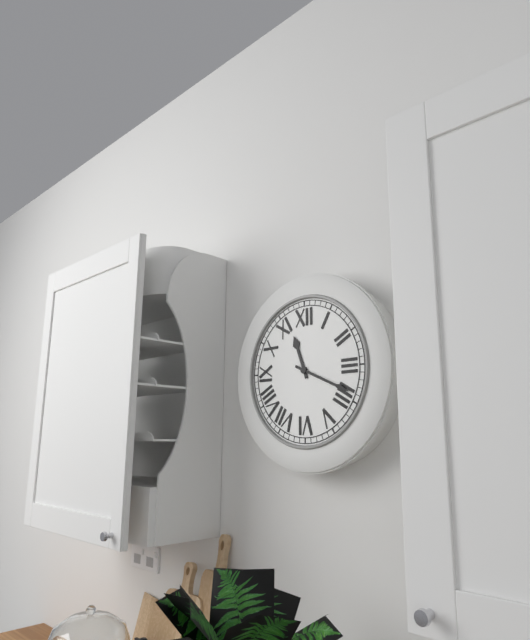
11:19
